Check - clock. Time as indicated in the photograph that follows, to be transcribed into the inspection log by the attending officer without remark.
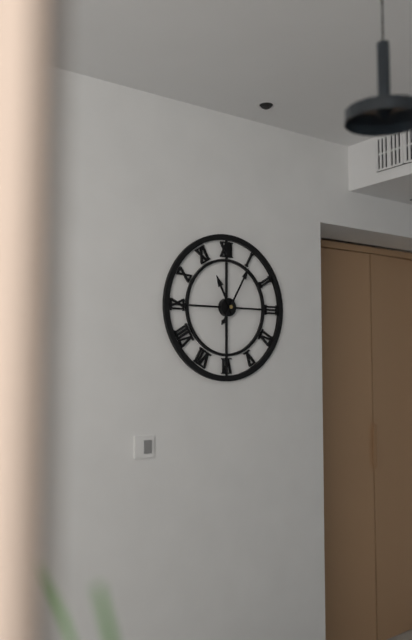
11:05
